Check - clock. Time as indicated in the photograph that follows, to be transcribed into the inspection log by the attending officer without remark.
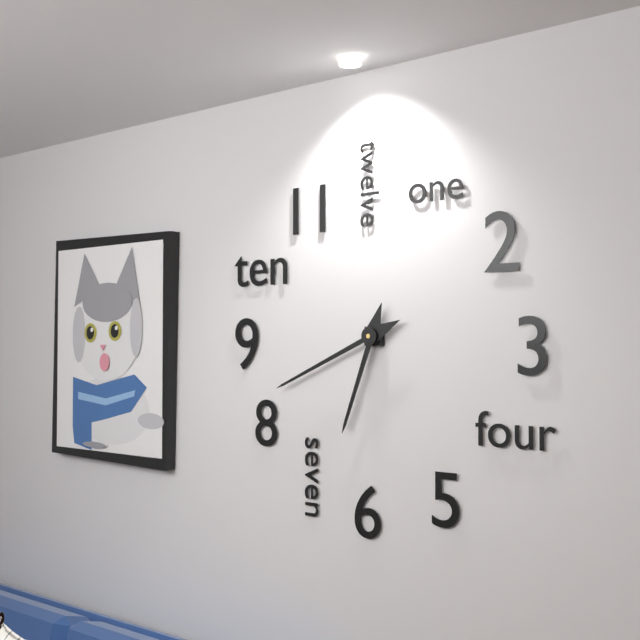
6:41
